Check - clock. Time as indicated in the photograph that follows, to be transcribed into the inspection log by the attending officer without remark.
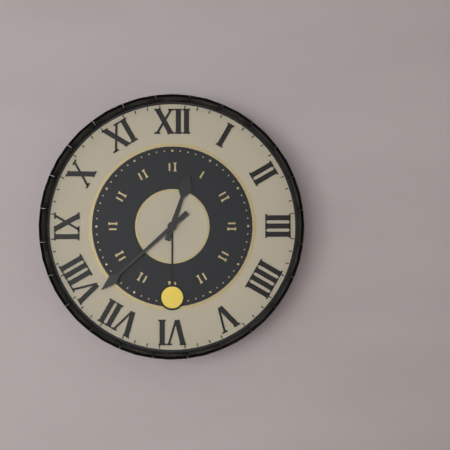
12:38
